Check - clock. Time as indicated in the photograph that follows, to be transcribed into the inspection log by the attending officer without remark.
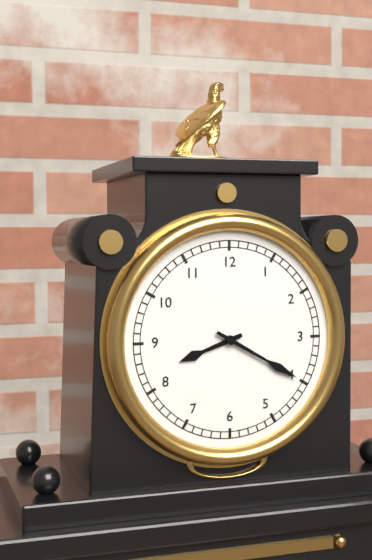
8:20
